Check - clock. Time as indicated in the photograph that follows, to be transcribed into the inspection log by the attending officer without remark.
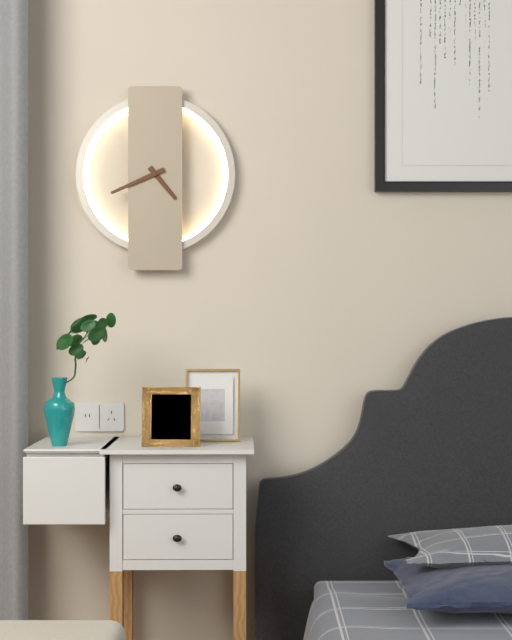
4:41
